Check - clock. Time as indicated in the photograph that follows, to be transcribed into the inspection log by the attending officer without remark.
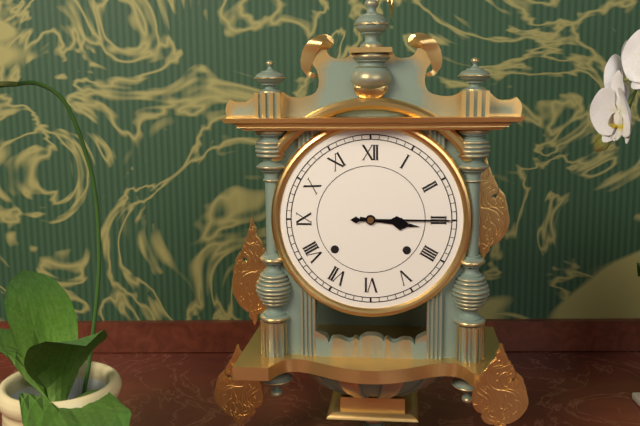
3:15
